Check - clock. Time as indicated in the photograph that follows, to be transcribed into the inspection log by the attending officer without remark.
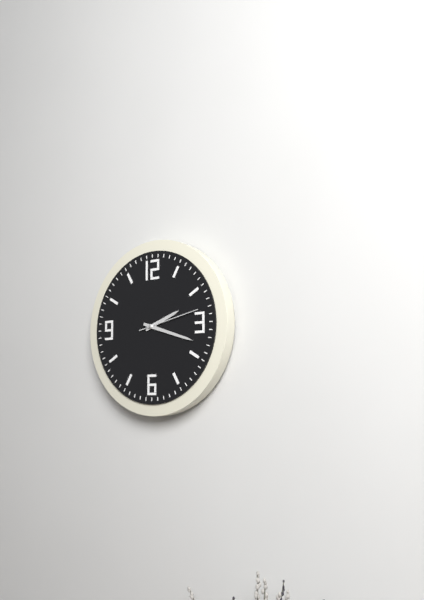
2:18:13
